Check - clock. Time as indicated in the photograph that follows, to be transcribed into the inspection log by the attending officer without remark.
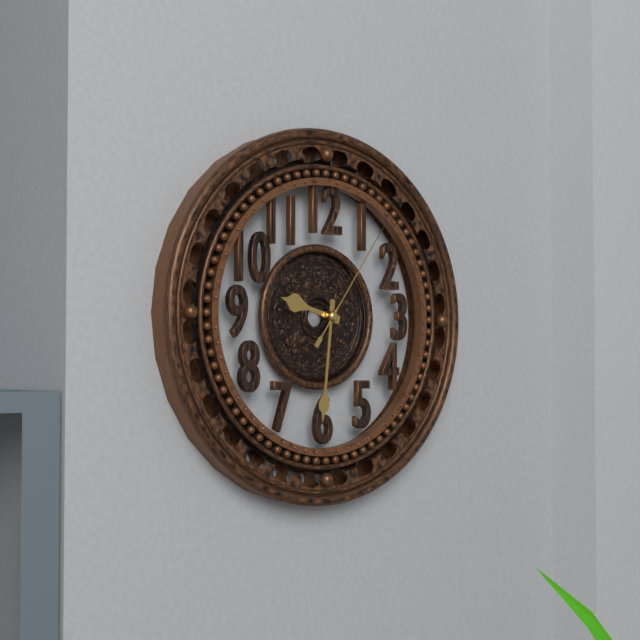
9:31:06
